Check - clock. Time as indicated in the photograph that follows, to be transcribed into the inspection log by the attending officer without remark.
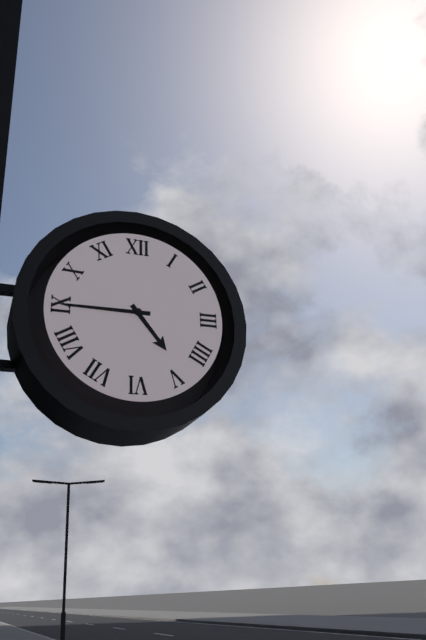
4:45
